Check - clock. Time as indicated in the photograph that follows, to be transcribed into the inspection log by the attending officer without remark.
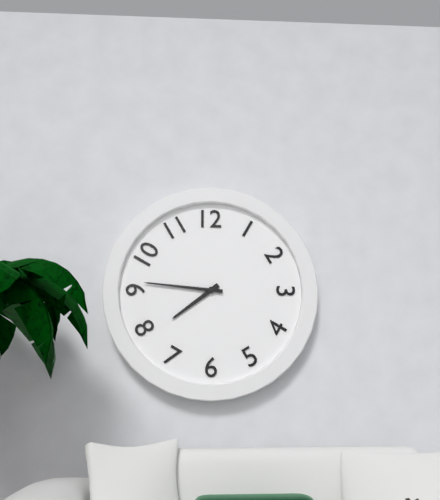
7:46
